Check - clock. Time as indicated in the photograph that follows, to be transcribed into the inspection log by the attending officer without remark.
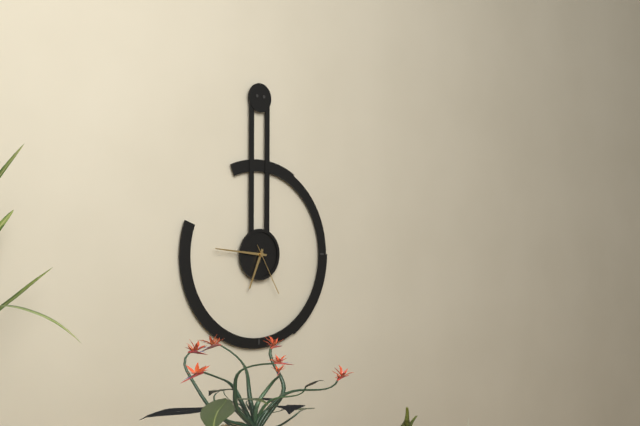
6:46:25
